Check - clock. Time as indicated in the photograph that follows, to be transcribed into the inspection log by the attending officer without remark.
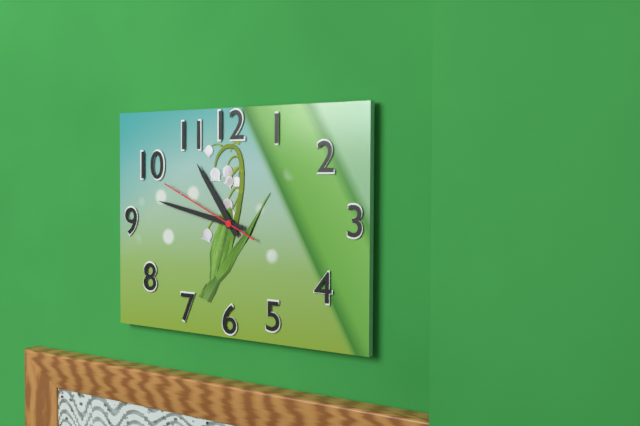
10:47:49
